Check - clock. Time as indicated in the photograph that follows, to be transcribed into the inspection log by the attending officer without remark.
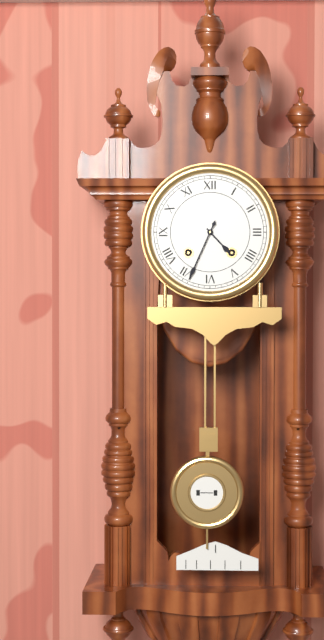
4:34
